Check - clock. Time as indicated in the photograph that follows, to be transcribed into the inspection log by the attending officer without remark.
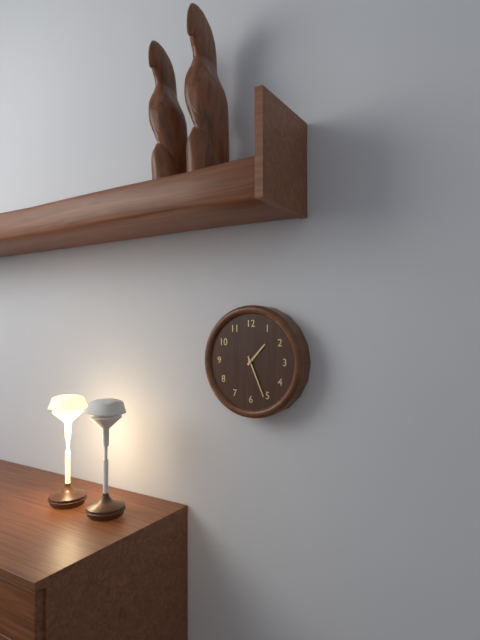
1:26
